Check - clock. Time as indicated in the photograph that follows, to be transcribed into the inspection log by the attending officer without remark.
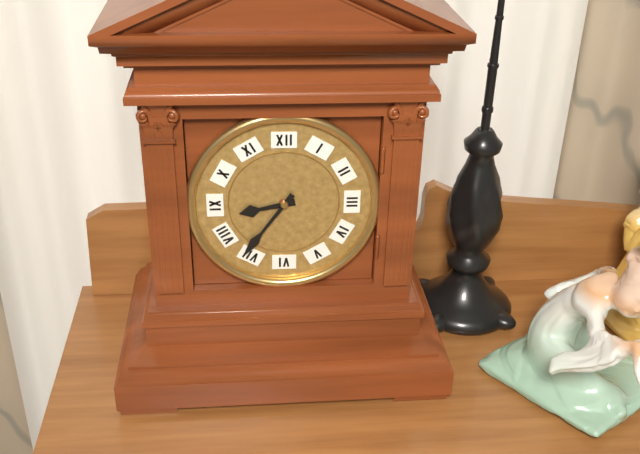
8:36
